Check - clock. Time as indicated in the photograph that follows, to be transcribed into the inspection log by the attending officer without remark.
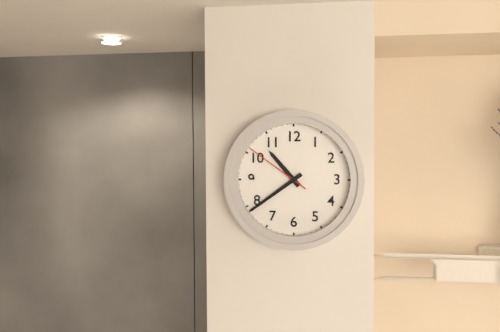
10:39:51
